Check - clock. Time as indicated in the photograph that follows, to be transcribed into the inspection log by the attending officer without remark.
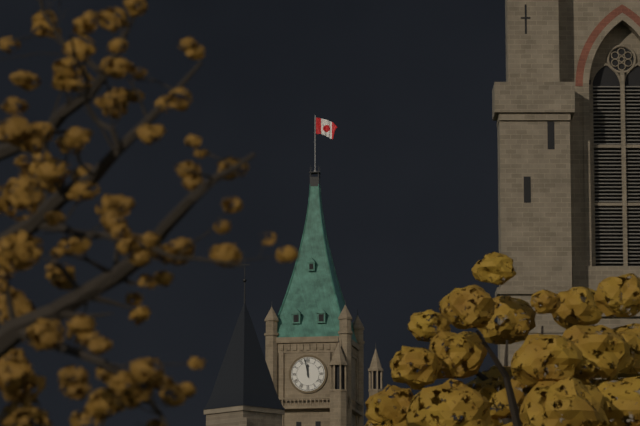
11:58
